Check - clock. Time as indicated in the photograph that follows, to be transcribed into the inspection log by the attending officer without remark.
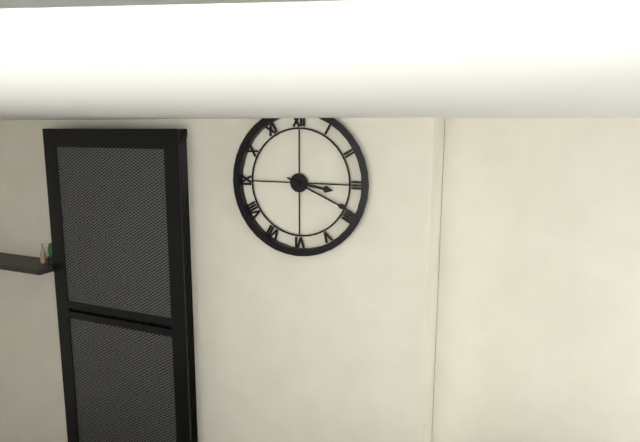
3:19
